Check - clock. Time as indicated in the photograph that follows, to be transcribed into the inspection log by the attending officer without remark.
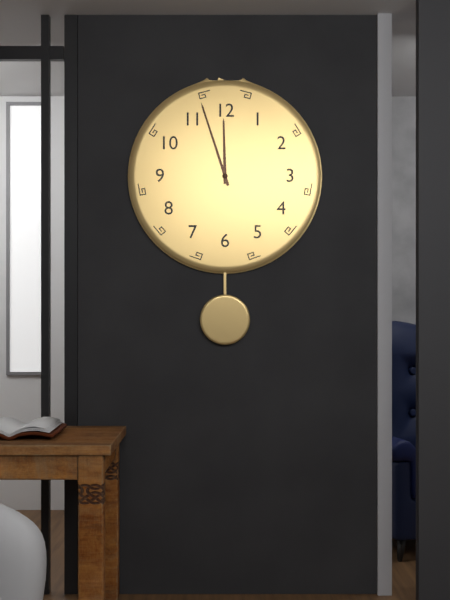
11:57
